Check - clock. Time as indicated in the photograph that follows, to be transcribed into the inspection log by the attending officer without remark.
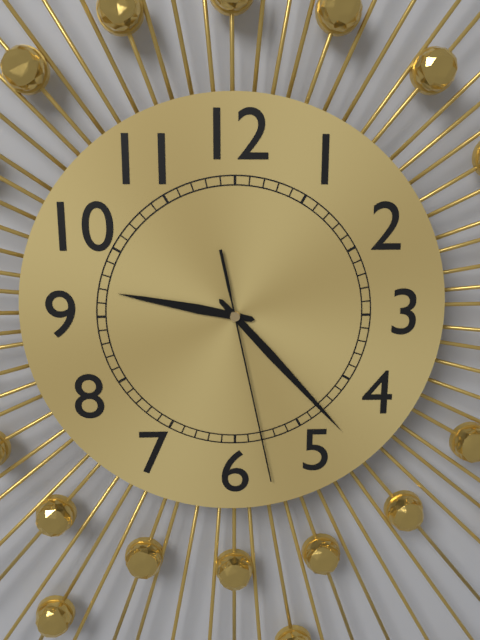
9:23:28
